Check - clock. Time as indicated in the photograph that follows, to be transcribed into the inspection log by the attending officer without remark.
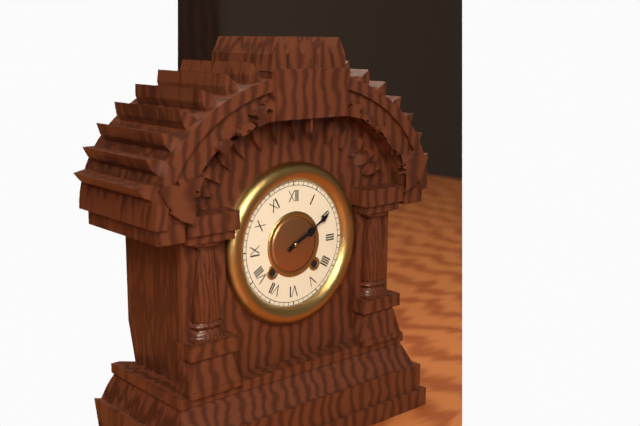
2:10
